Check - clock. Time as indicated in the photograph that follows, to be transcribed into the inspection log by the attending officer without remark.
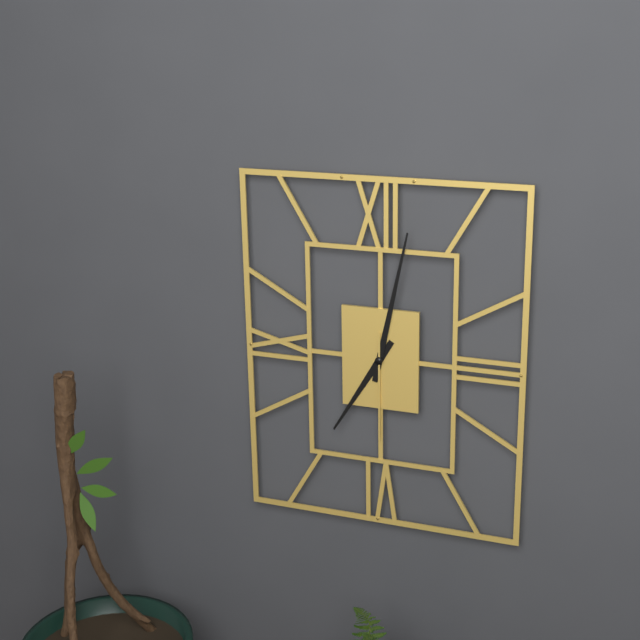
7:02:30
